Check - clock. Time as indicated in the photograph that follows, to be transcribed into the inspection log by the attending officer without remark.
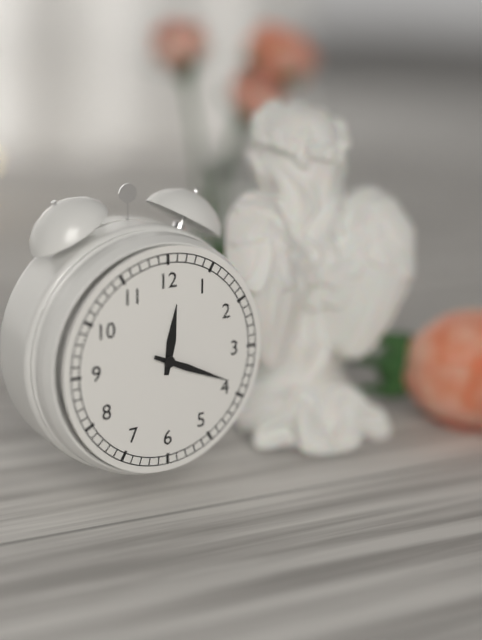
12:19
